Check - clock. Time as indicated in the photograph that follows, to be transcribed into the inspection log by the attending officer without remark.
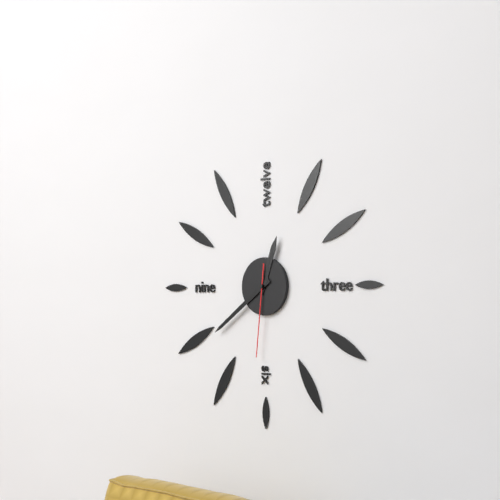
12:39:31
